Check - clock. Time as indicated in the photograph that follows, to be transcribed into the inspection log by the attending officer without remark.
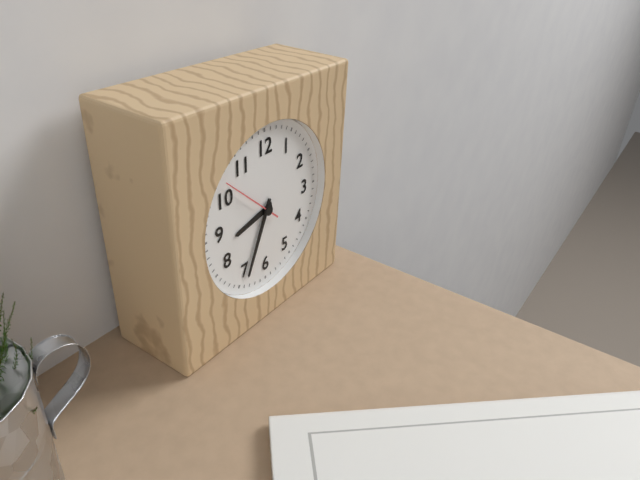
8:34:52
